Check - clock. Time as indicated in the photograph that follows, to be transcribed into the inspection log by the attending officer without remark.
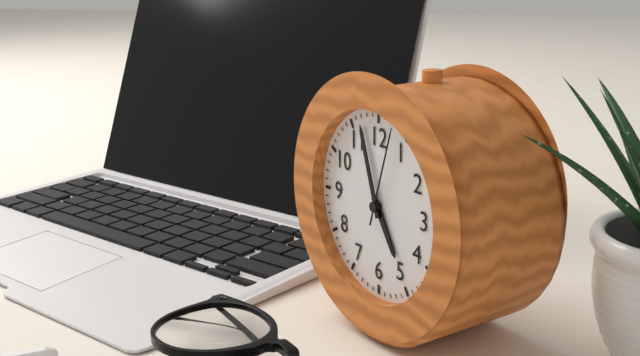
4:57:03
